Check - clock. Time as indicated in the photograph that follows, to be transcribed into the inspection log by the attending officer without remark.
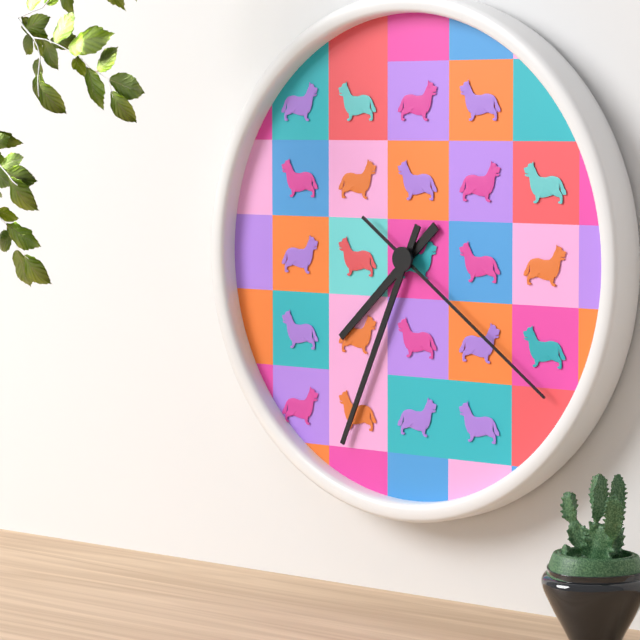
7:34:21
